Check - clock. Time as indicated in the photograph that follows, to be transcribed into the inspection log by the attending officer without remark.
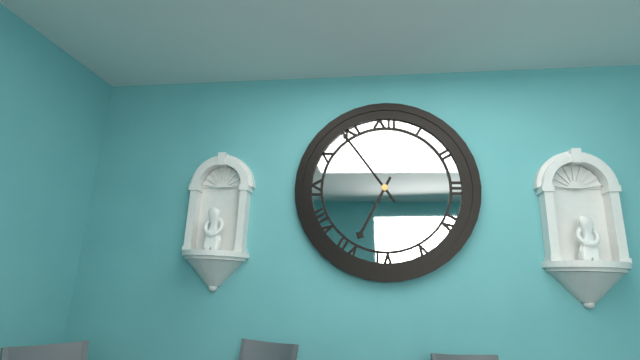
6:54
